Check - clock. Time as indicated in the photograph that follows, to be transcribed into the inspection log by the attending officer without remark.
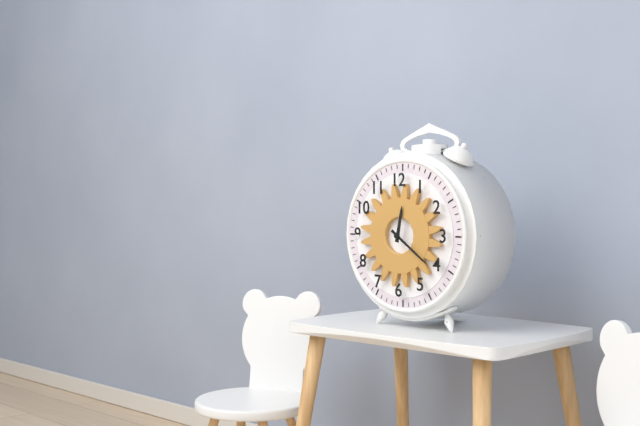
12:21
